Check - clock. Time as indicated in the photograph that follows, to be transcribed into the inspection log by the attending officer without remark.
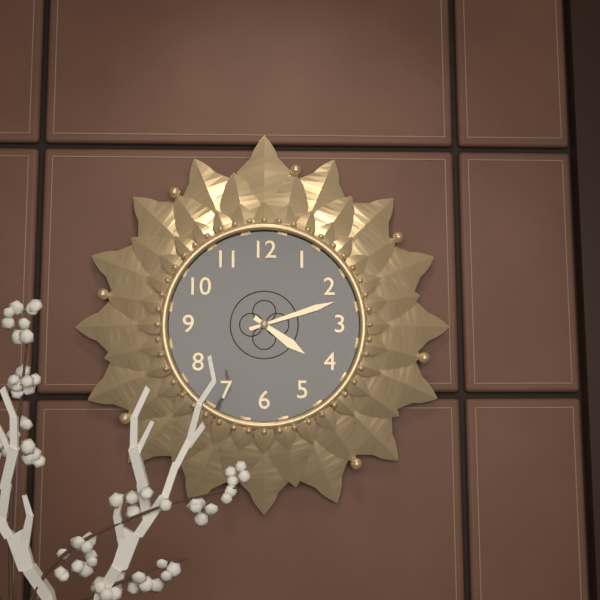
4:12
